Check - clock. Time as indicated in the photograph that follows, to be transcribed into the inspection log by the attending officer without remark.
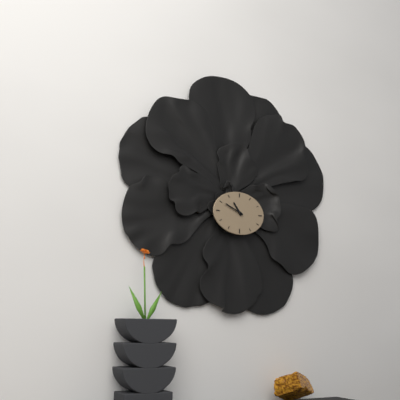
10:49
